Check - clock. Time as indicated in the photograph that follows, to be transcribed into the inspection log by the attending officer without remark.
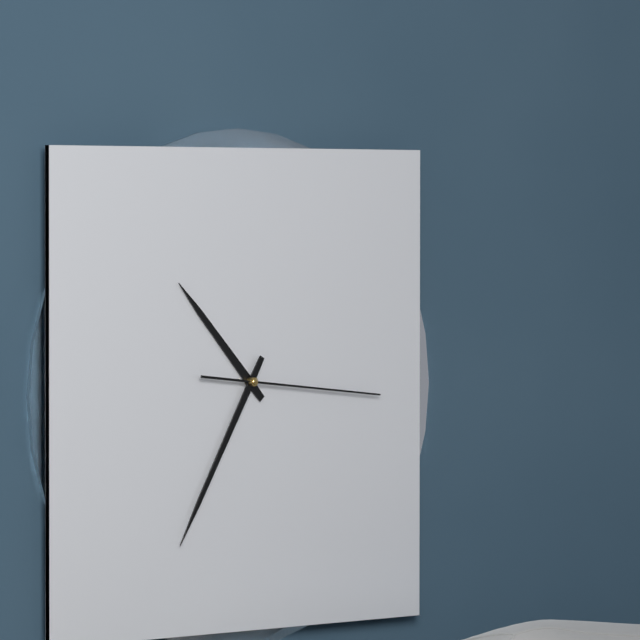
10:35:16
